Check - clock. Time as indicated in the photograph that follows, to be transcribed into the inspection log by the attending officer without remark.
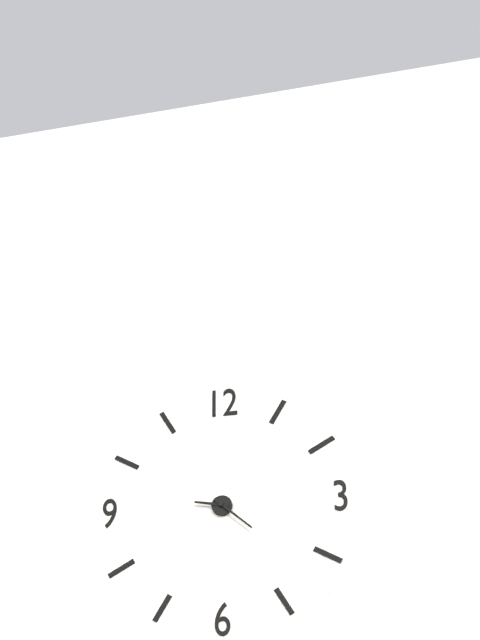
9:22
